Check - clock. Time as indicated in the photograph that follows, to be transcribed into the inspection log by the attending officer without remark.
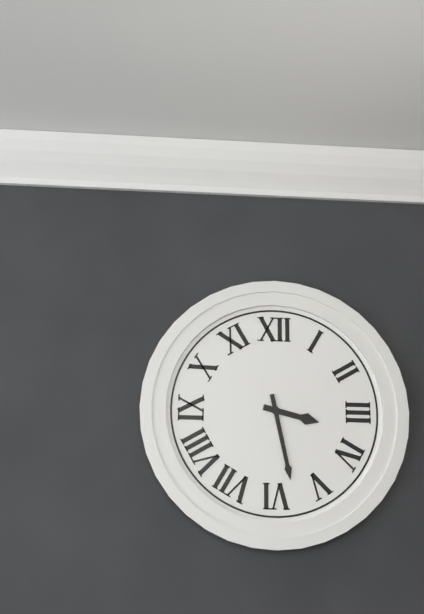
3:28
